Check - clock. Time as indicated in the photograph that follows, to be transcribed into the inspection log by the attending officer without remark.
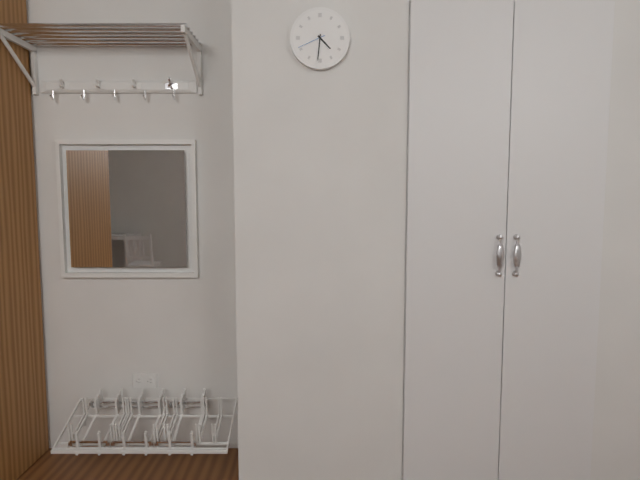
4:31
